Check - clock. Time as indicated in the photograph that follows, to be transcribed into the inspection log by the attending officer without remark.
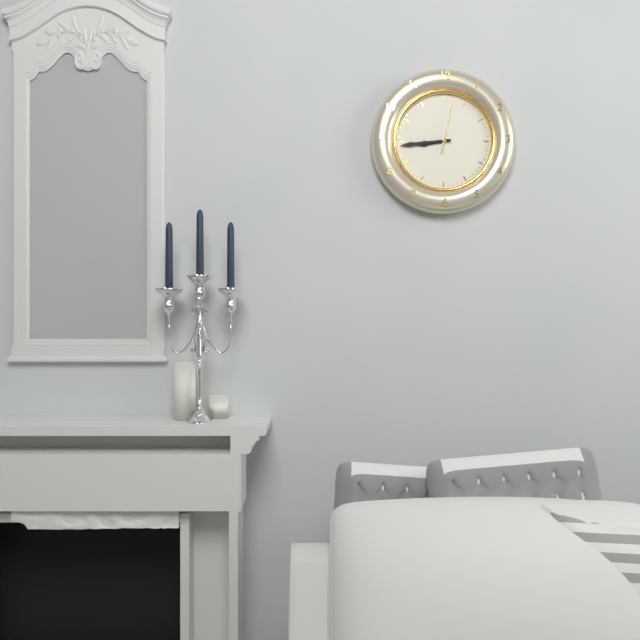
8:44:02
